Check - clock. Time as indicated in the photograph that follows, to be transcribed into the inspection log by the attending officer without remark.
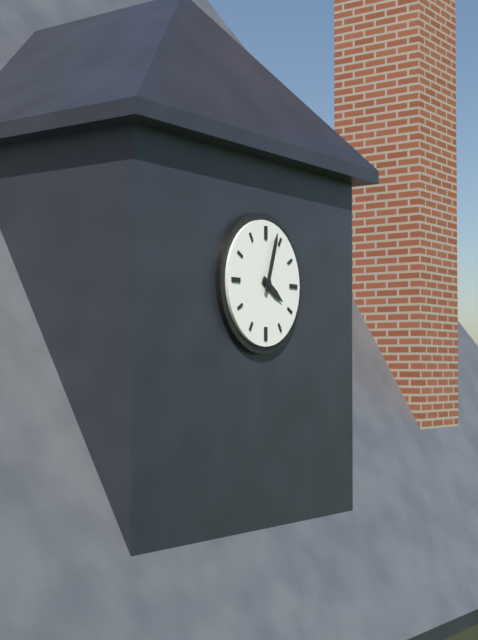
4:03
